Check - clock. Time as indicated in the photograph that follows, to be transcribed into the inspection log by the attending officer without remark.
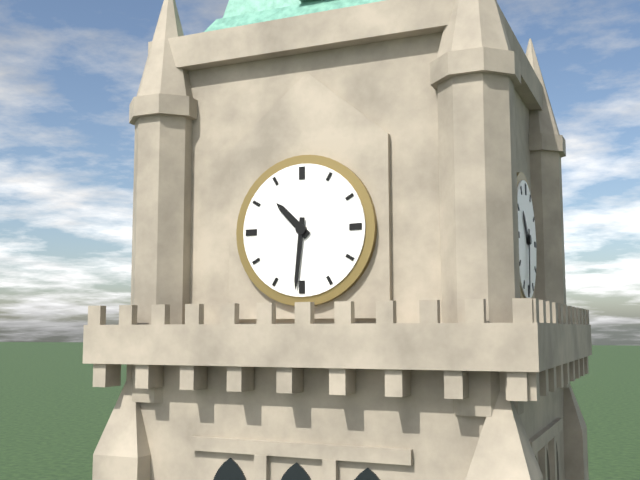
10:31
